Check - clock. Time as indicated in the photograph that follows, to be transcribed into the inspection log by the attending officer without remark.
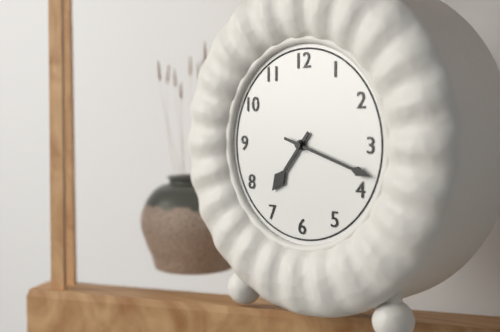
7:18
